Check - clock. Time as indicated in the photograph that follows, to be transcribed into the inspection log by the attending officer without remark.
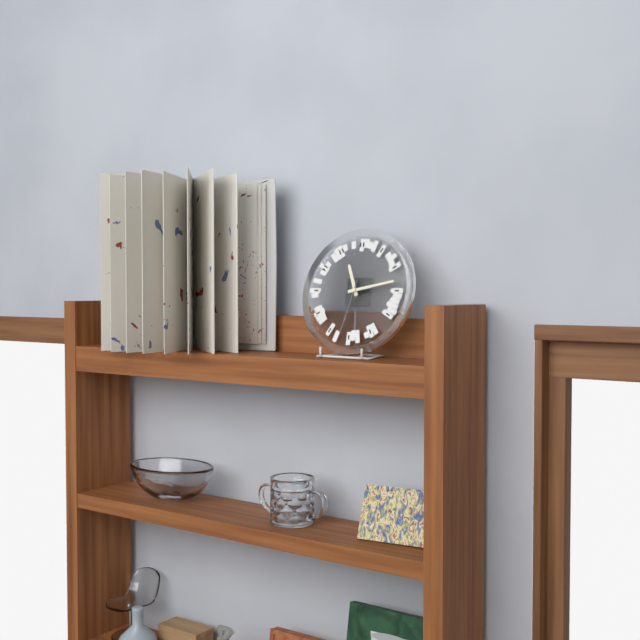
11:13:32
